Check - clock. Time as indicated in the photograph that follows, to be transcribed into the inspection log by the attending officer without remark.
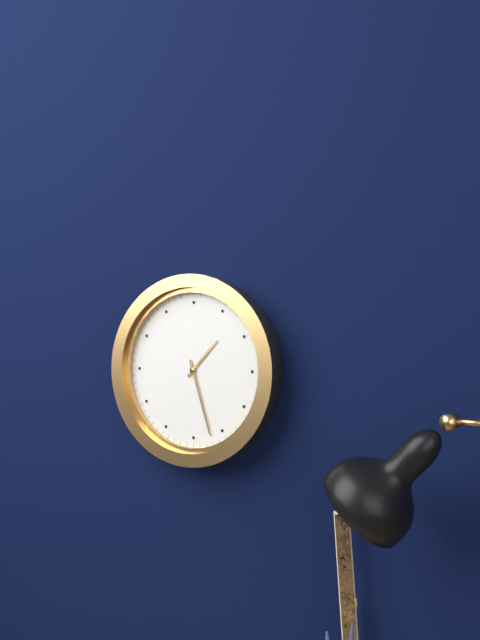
1:27
